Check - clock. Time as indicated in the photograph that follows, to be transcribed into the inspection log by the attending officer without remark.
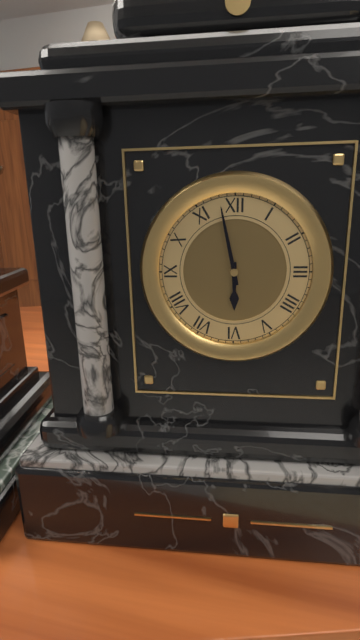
5:58
